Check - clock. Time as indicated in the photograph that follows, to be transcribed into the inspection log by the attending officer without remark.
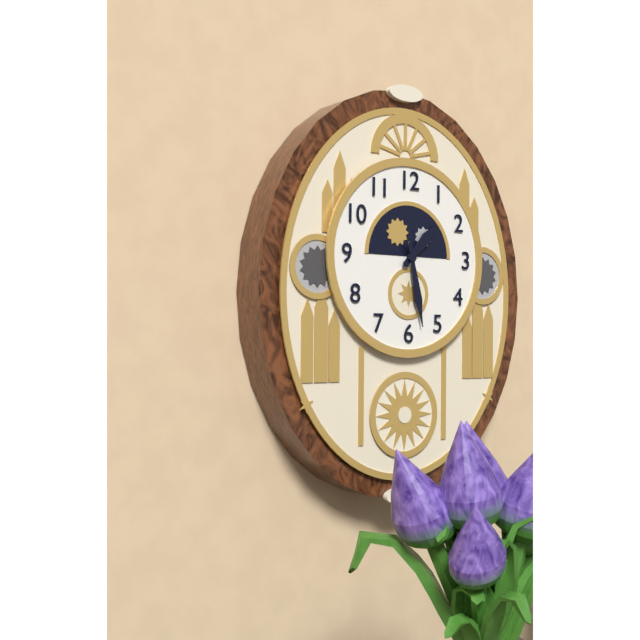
1:28
